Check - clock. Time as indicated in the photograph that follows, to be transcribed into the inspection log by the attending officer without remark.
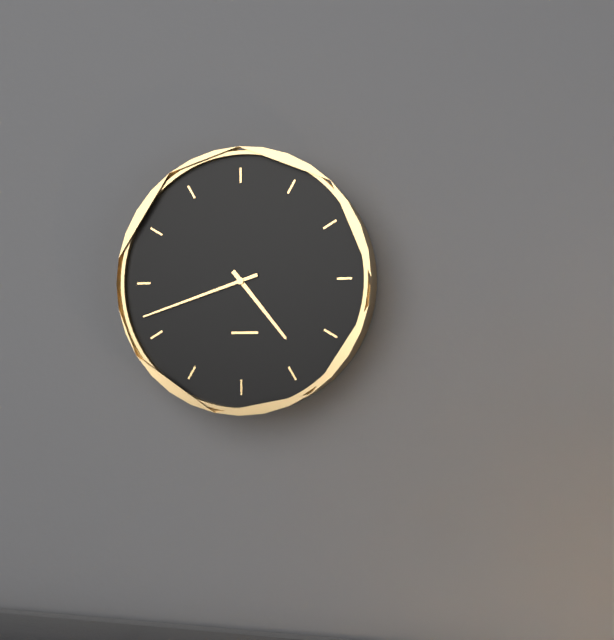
4:42
